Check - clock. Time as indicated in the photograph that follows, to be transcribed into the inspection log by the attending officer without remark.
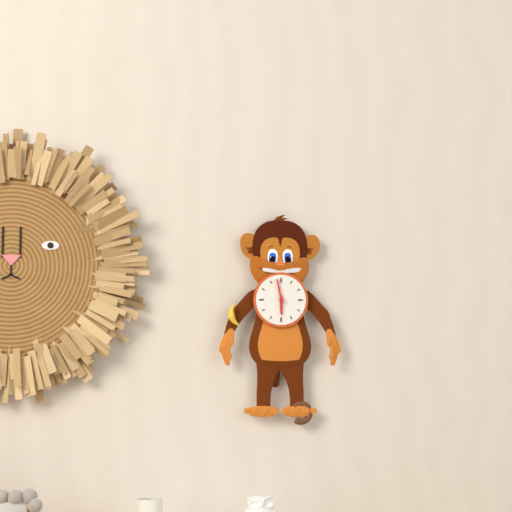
5:58
